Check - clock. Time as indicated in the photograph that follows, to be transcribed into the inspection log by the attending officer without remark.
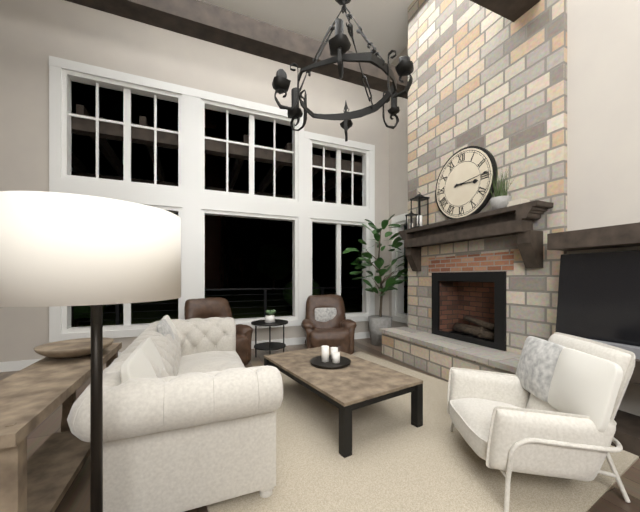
3:14
